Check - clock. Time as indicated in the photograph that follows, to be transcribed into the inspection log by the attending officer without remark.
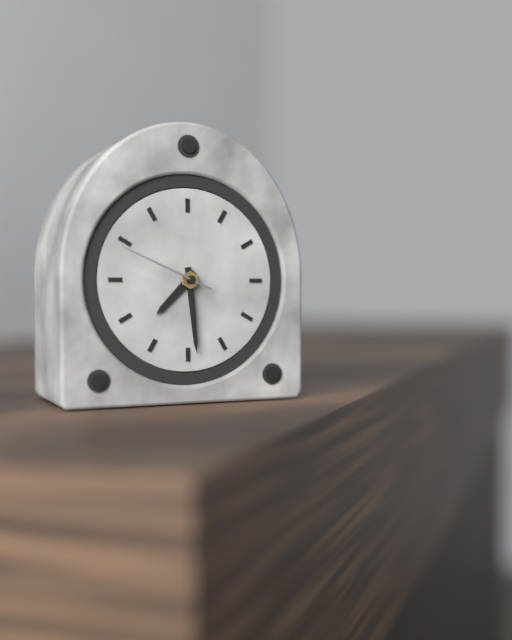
7:29:49
